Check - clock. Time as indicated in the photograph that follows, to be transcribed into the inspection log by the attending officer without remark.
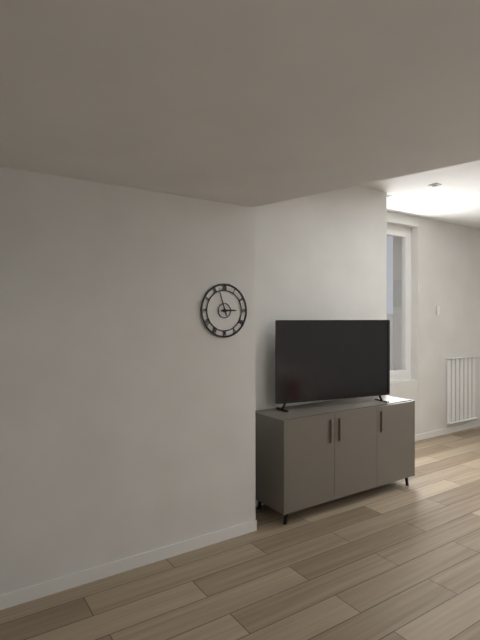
2:57
